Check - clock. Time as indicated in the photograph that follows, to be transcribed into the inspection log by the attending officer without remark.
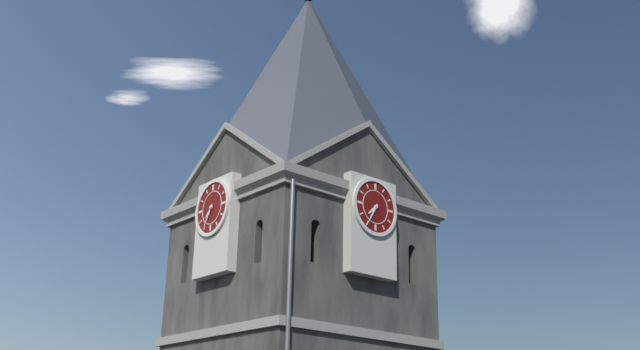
7:35
